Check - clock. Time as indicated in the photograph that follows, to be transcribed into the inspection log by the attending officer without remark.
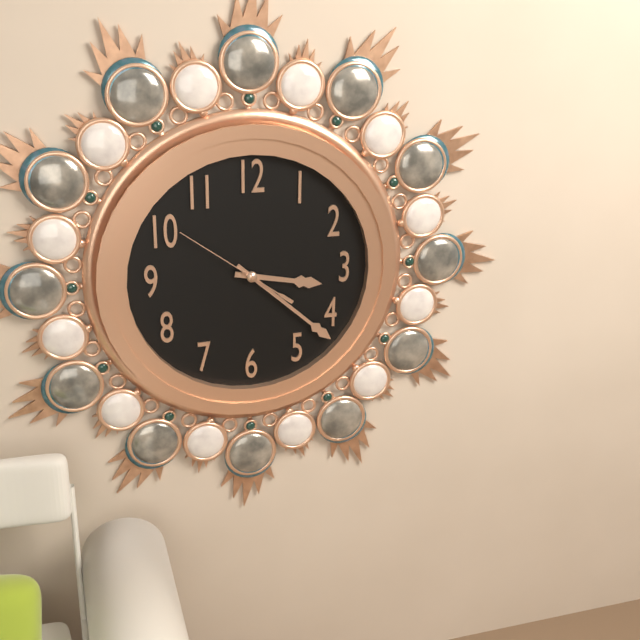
3:22:51
